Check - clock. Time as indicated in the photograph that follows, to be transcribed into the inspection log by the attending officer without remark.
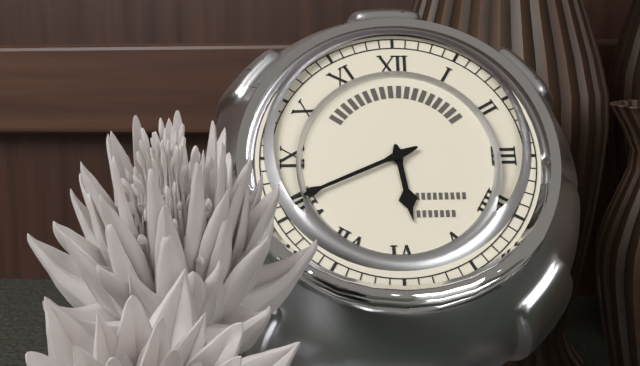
5:41
